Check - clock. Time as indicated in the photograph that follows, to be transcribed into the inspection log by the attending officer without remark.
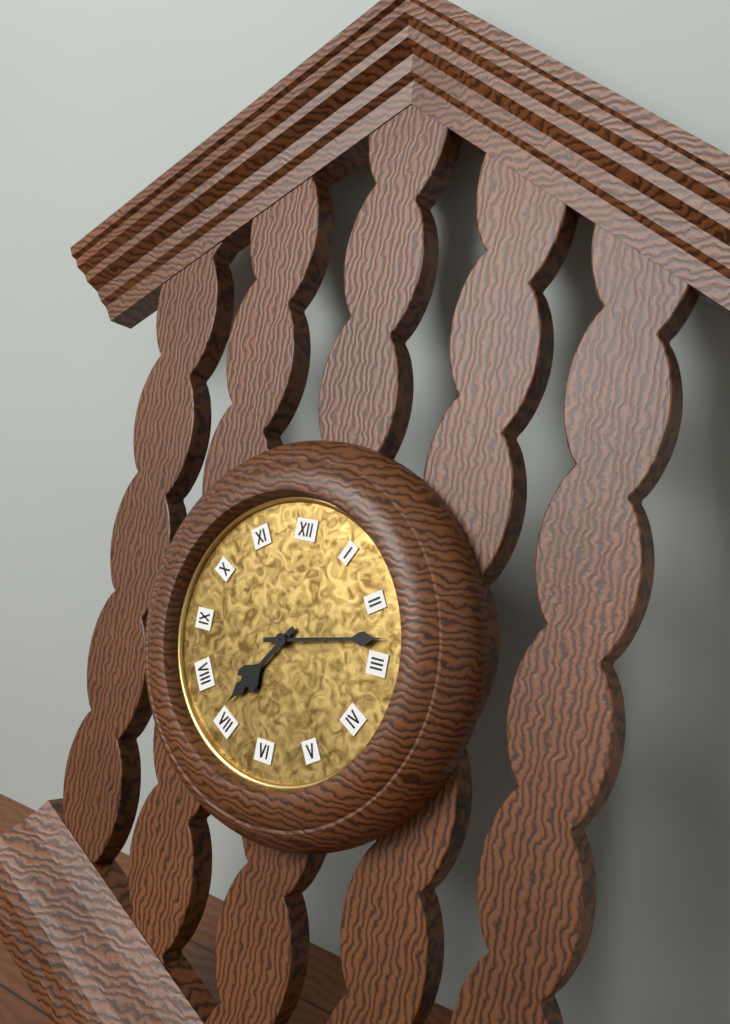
7:13
